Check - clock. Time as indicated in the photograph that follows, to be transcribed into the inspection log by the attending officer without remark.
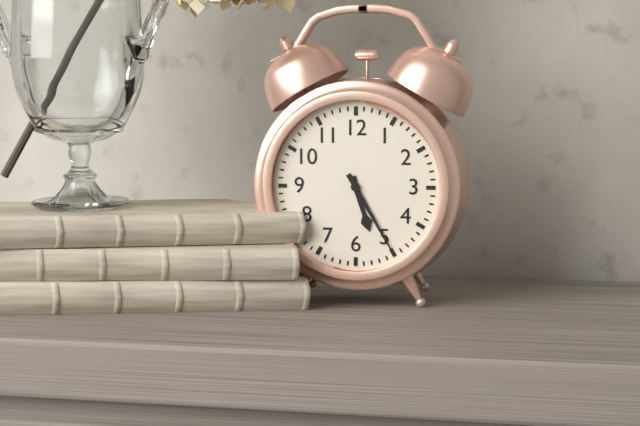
5:25
